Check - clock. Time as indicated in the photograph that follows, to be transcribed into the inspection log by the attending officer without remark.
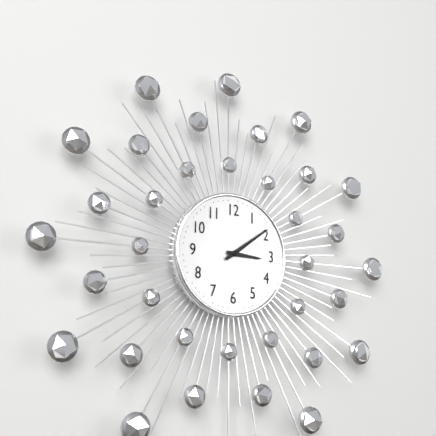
3:09
